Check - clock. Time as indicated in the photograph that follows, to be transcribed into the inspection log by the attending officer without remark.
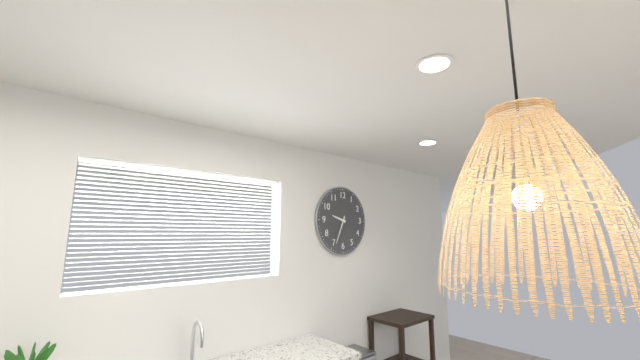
9:34
